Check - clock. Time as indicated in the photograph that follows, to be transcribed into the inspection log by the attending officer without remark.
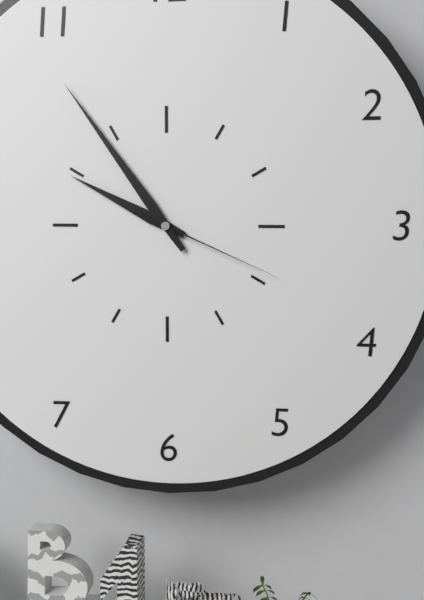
9:54:19
